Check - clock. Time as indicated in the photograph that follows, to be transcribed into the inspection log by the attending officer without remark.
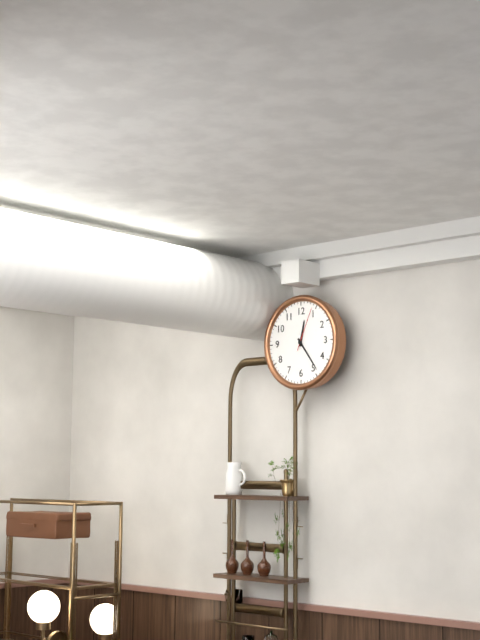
12:24
